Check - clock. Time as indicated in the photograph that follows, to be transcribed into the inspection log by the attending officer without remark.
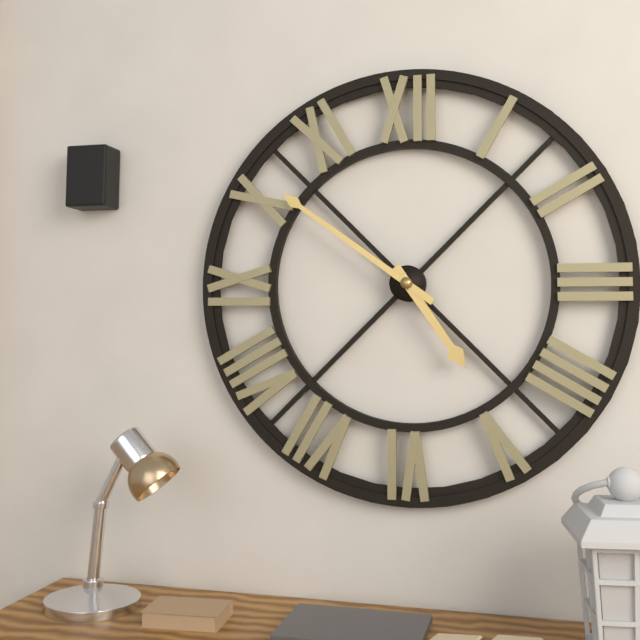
4:51
